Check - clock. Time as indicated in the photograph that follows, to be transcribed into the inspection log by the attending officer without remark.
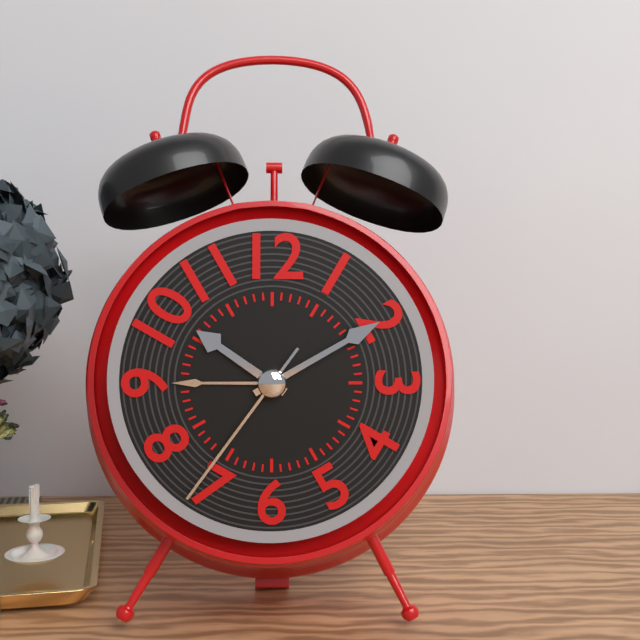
10:10:36
